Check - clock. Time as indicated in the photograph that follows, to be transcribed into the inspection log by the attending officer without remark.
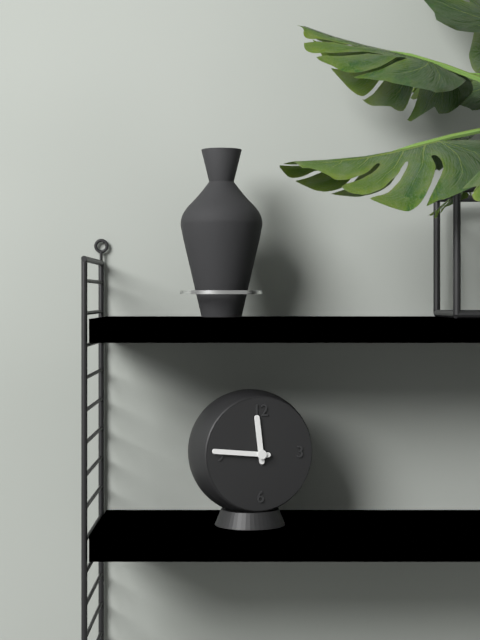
11:46
